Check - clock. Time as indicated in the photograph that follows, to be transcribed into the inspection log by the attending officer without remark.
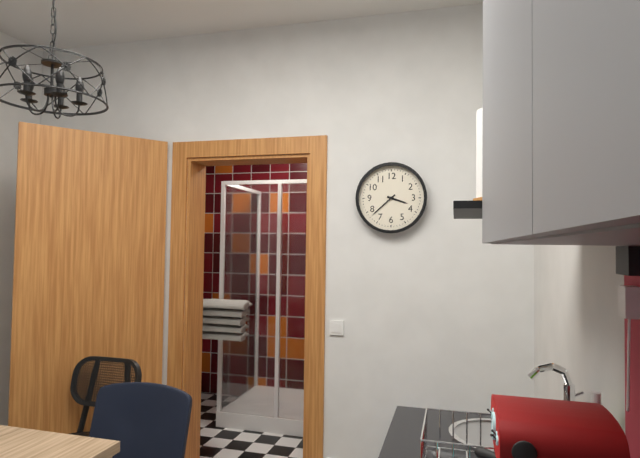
3:38
